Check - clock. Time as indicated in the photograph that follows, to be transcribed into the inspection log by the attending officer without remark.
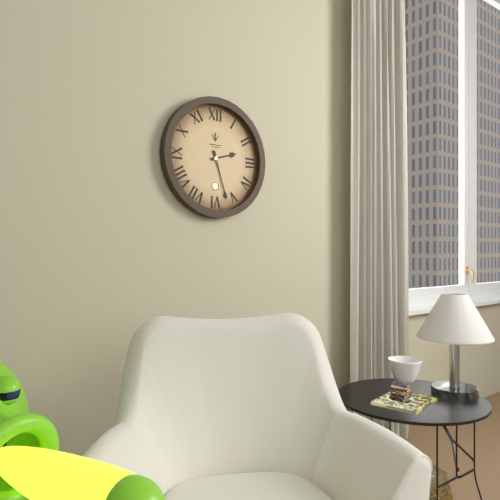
2:27
